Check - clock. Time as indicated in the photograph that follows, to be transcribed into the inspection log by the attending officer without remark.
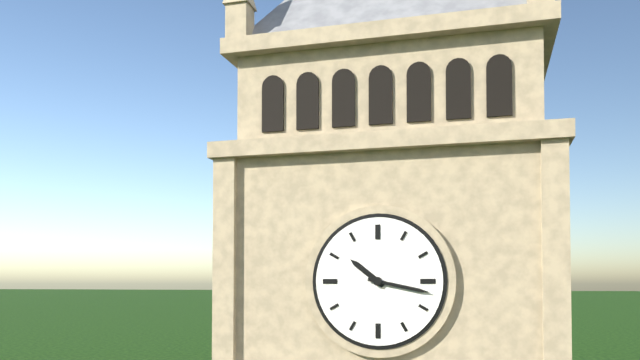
10:17
